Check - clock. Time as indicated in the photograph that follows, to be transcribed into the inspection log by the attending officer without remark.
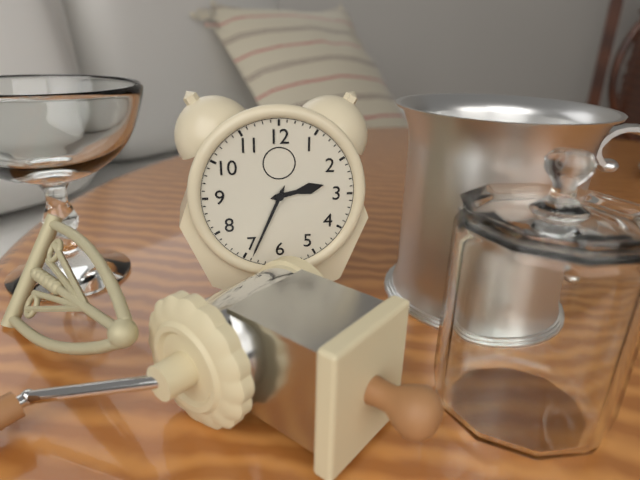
2:34
